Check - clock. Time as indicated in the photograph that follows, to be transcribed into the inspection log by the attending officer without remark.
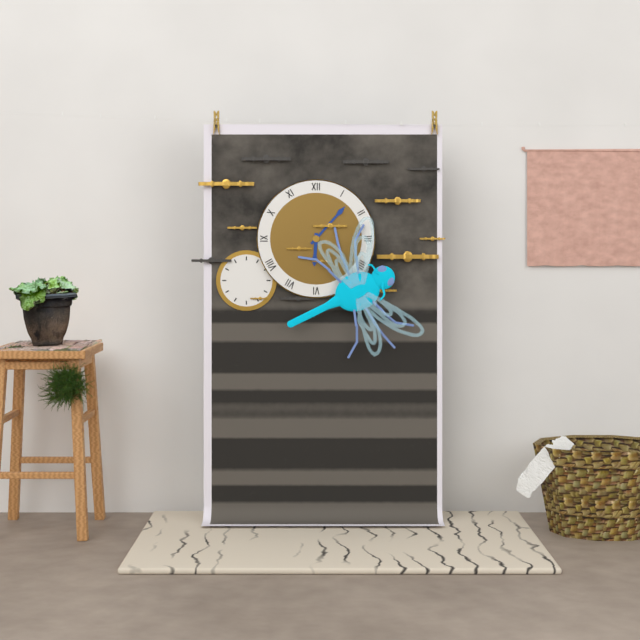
6:07
